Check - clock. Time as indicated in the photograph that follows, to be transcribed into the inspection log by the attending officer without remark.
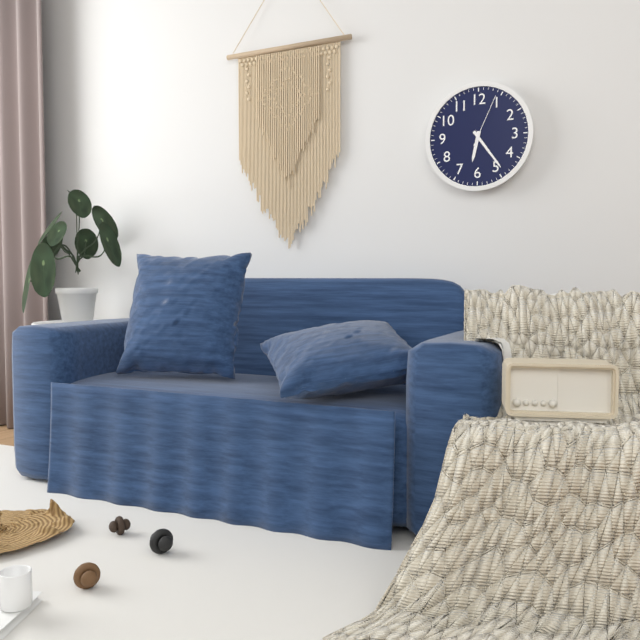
6:24:04
